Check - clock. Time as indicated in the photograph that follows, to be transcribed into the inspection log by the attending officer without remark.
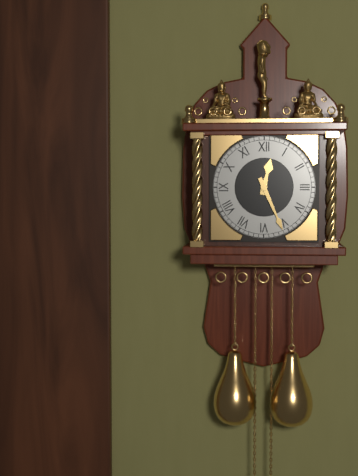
12:26
